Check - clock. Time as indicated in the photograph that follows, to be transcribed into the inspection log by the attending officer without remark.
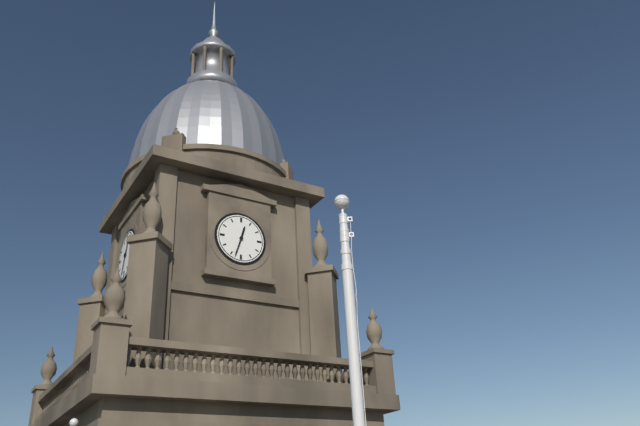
12:33
